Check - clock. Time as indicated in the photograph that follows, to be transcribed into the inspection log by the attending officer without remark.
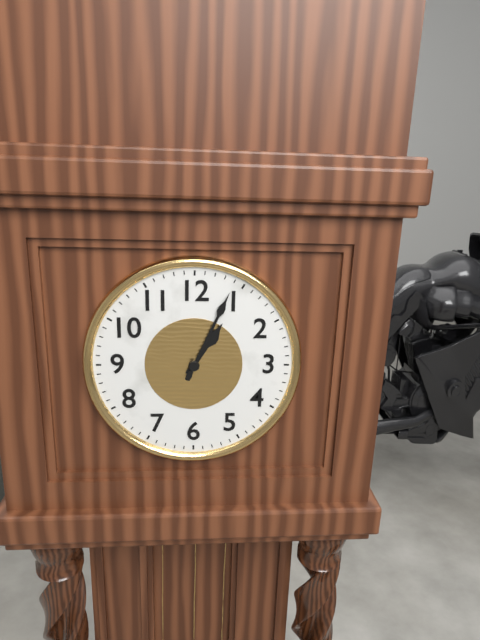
1:04
